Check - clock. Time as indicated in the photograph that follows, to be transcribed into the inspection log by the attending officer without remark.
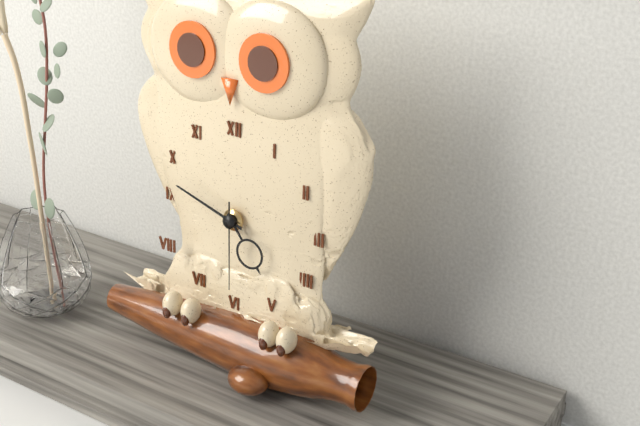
4:48:30
